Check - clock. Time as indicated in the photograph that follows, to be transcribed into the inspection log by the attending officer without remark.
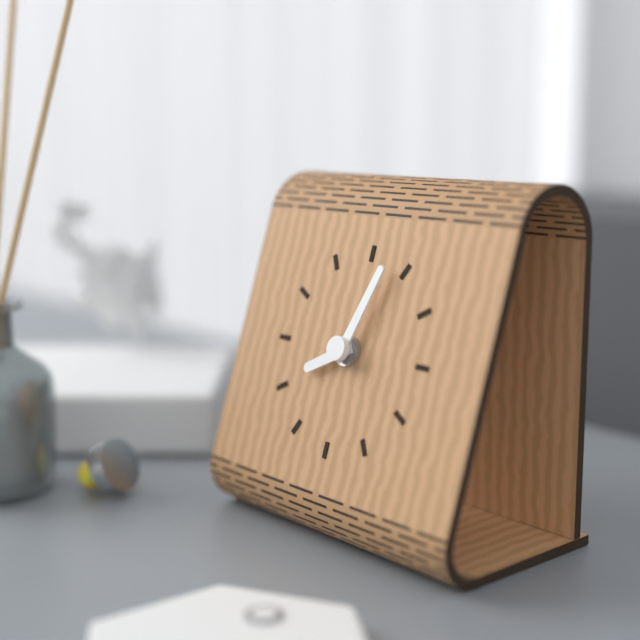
8:03
